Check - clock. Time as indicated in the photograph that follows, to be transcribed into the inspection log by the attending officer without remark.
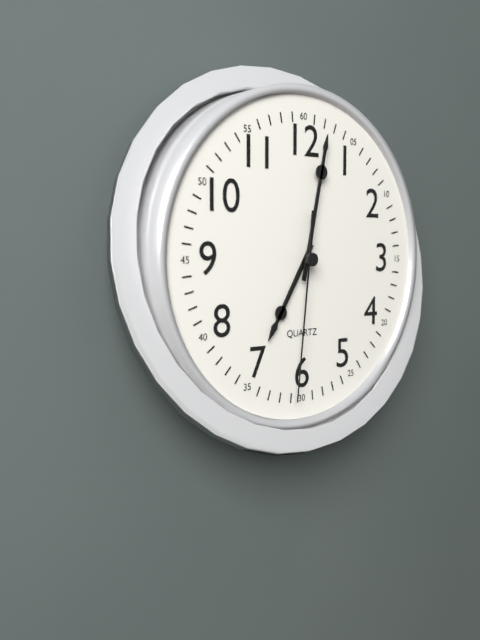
7:02:31
